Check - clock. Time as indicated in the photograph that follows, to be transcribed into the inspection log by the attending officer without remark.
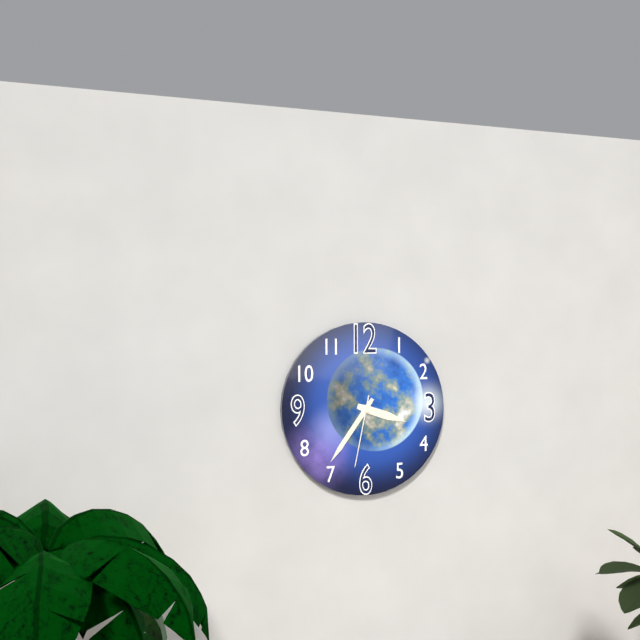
3:36:32
